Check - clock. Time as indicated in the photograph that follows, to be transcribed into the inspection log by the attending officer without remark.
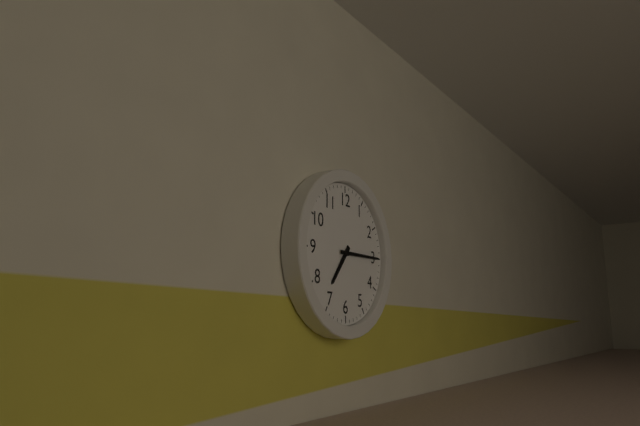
7:15
